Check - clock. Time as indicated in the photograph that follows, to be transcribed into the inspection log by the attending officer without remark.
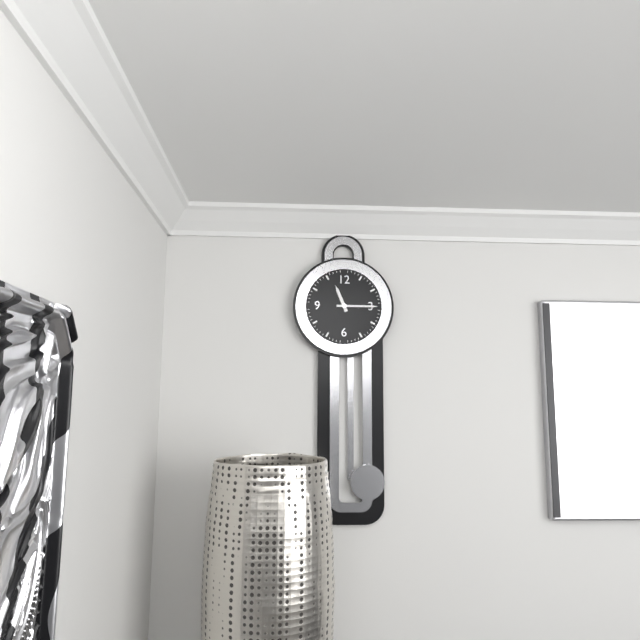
11:15
